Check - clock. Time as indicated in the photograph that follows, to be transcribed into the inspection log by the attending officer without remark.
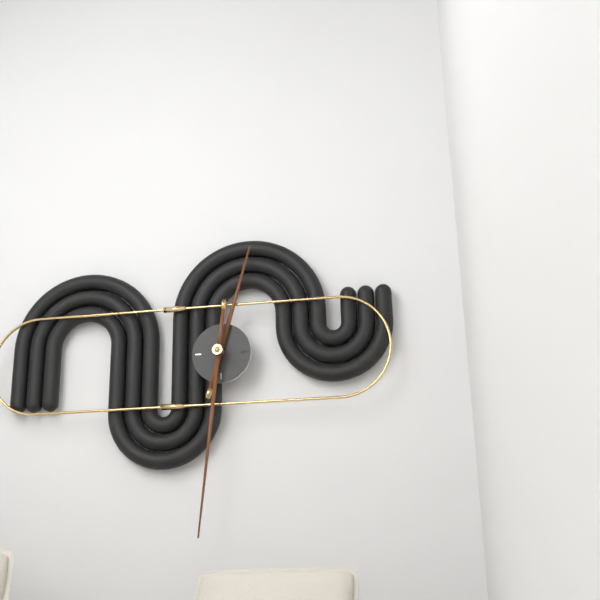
12:31
